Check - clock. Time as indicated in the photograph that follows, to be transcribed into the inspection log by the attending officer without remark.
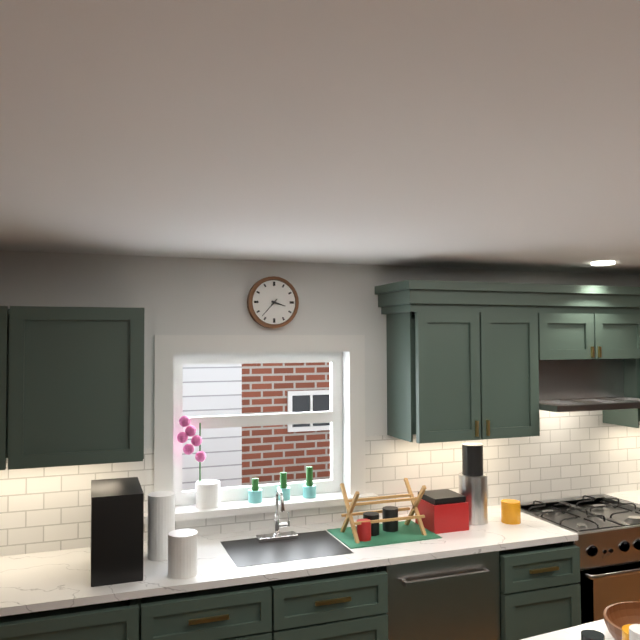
3:37
